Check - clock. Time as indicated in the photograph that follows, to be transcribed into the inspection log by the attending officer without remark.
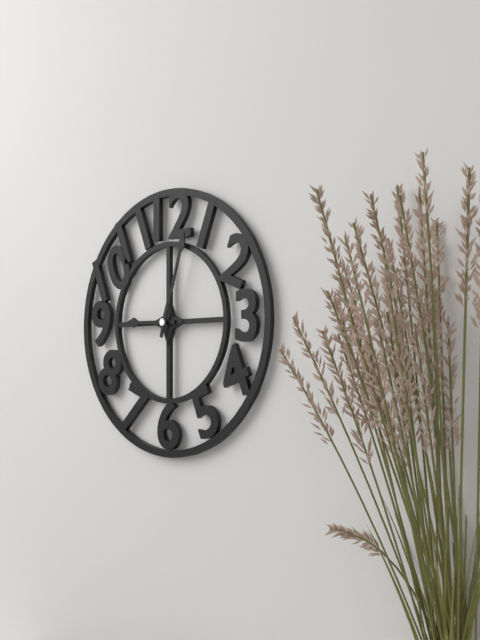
9:03
